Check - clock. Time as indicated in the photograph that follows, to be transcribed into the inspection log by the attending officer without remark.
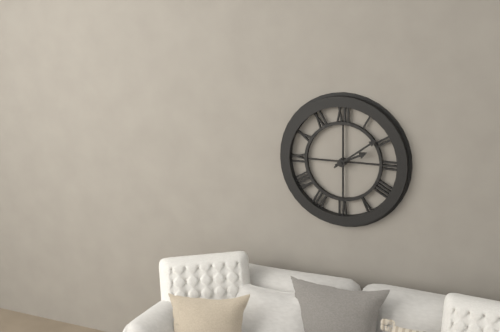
2:09
